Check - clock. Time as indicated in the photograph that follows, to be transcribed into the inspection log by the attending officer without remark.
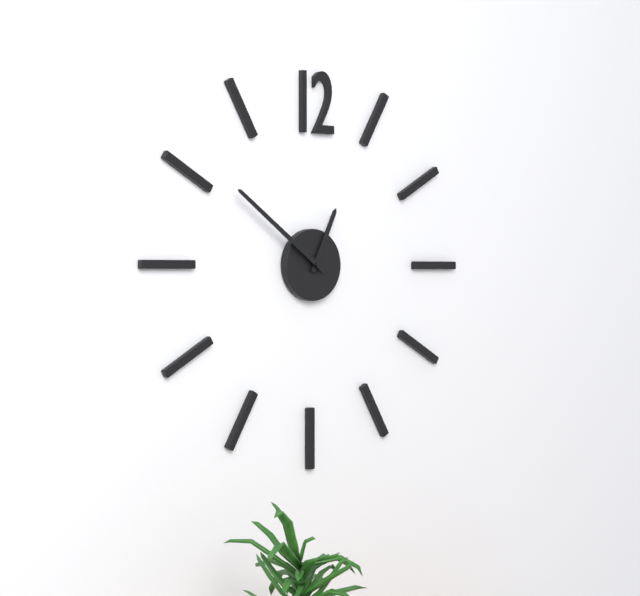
12:51
